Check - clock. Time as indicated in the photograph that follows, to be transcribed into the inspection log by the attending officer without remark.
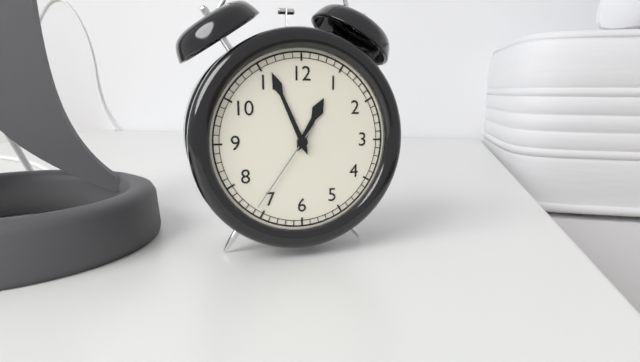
12:56:36
